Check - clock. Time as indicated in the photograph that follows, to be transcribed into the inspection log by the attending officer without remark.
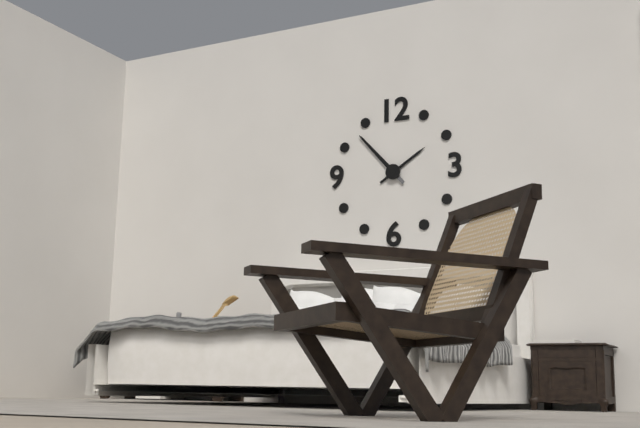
1:53
